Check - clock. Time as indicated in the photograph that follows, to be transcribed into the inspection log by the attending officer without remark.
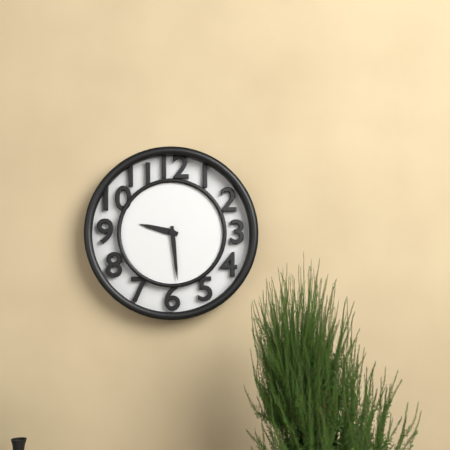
9:29
